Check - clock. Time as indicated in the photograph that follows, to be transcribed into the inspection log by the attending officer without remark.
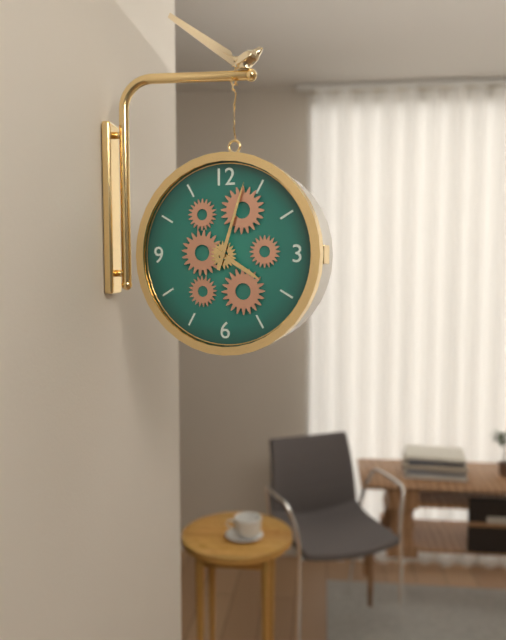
4:03
